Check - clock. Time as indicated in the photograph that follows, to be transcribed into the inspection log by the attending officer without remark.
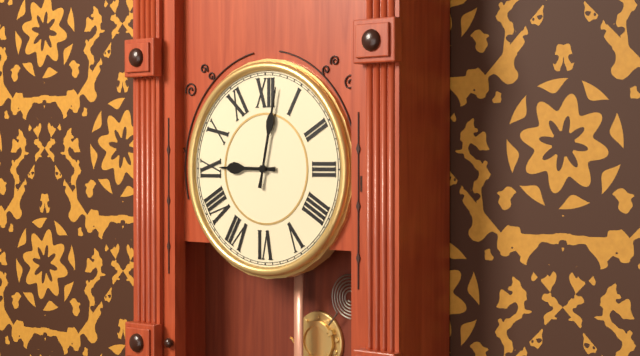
9:02
